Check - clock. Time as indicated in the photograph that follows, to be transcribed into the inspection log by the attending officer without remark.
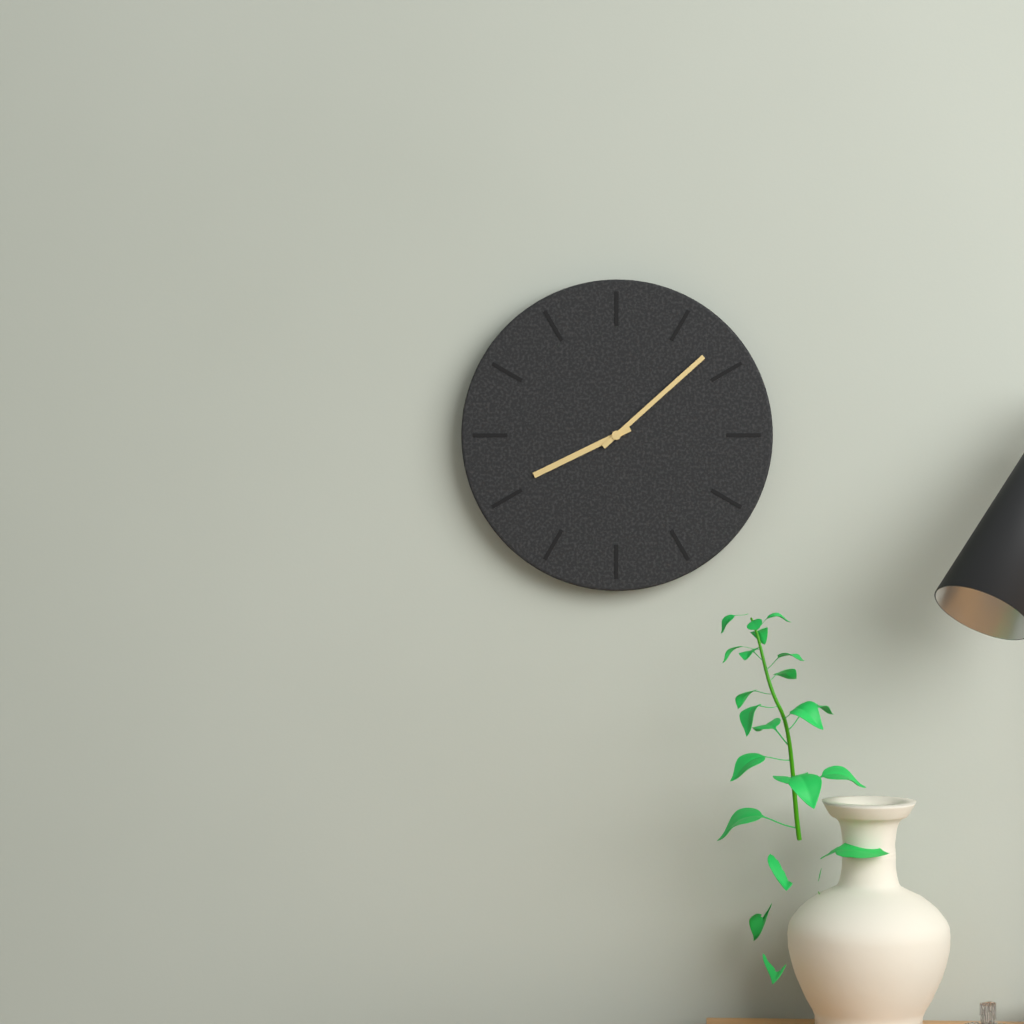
8:08
